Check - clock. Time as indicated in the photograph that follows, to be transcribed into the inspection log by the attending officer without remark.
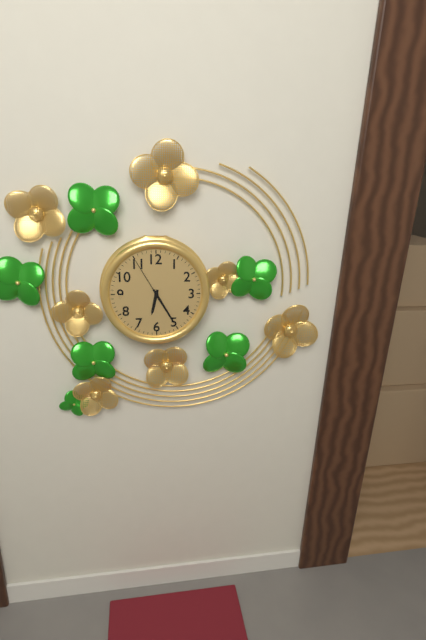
6:25
